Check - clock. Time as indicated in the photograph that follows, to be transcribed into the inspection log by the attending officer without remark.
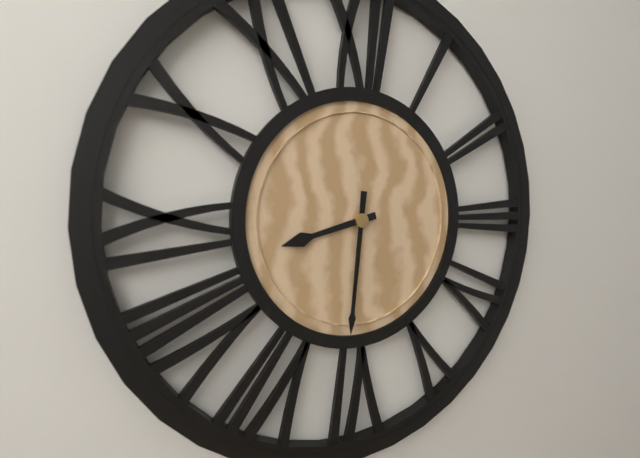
8:31
